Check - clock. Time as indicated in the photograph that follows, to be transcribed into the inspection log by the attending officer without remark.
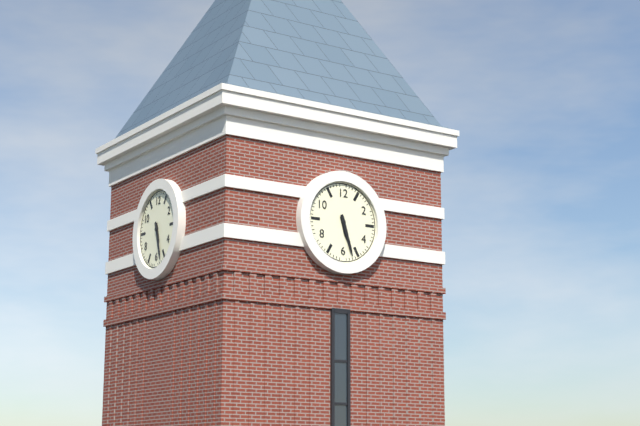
5:27
